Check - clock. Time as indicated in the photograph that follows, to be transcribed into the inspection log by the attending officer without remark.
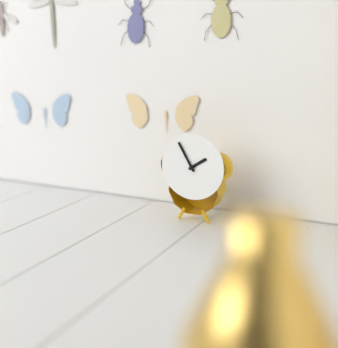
1:55
